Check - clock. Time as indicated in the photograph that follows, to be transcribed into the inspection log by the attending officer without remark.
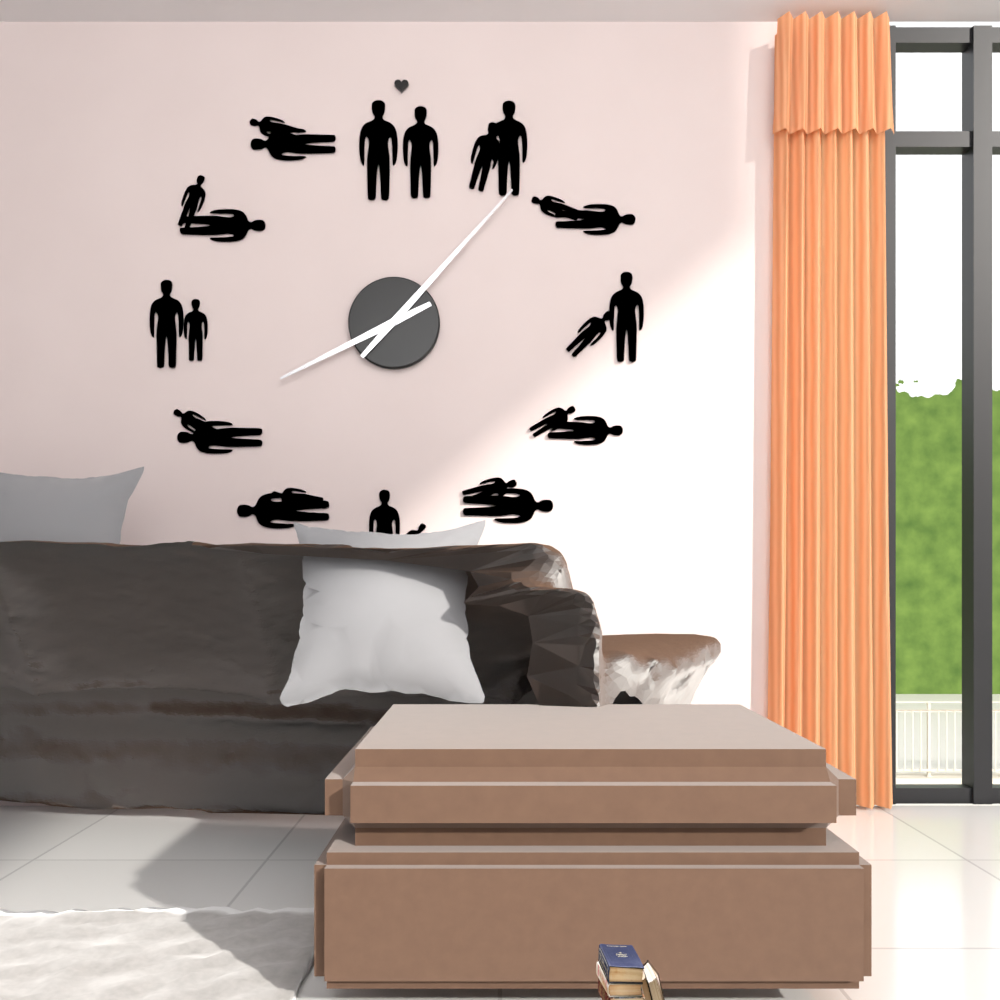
8:07
